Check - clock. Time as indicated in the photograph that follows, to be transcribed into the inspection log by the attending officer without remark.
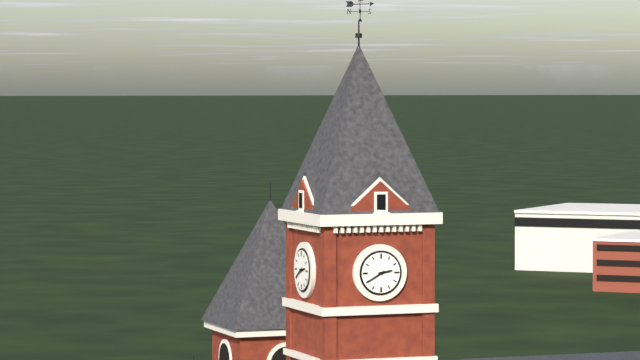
2:40
